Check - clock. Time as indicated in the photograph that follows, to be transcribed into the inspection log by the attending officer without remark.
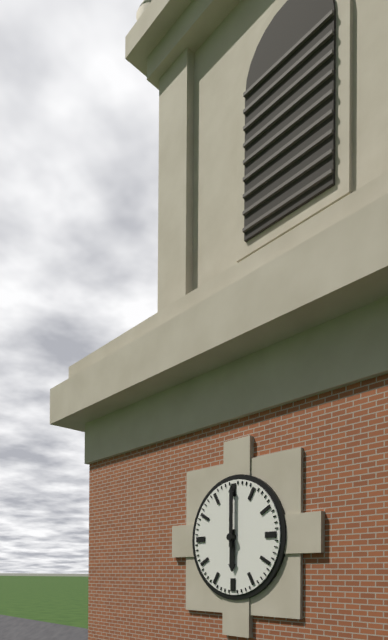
6:00
